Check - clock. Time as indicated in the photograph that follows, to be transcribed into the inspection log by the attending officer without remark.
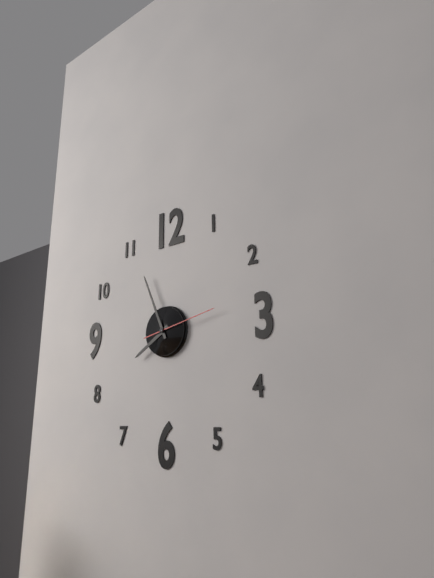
7:56:13
